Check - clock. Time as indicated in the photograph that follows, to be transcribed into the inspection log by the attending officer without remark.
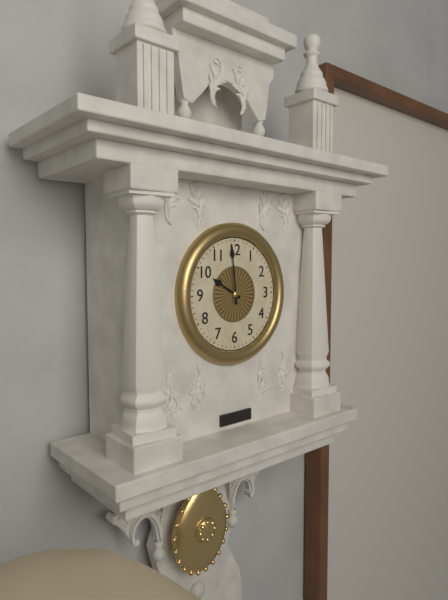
9:59
